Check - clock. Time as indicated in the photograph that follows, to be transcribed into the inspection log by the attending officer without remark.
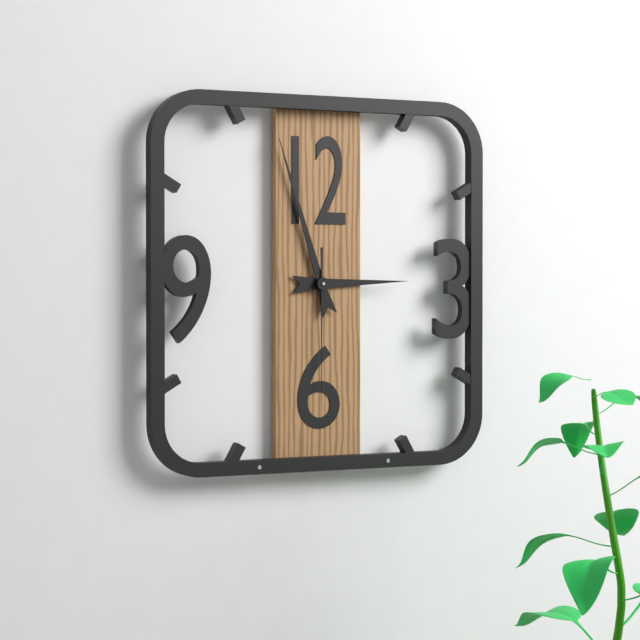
2:57:30
